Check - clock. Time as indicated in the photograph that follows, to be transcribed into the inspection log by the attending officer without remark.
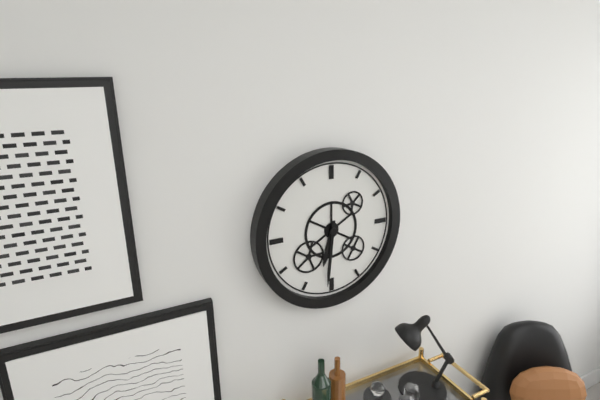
6:31
